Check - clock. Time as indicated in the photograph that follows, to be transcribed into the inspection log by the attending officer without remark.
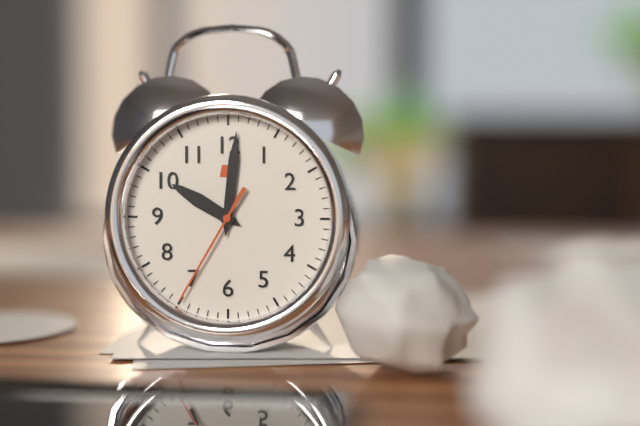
10:01:35
